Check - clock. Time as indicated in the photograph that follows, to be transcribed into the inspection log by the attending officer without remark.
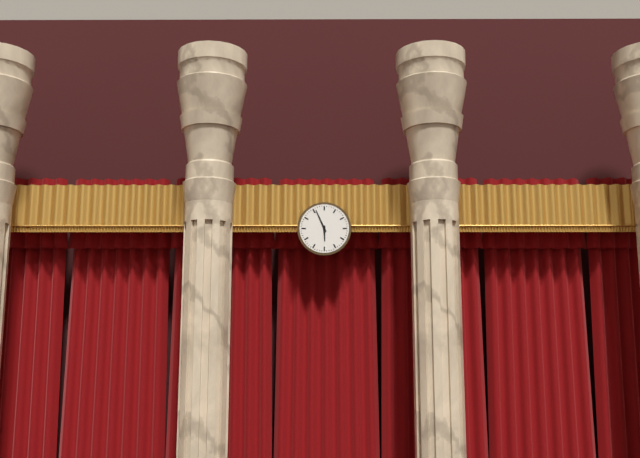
5:56
